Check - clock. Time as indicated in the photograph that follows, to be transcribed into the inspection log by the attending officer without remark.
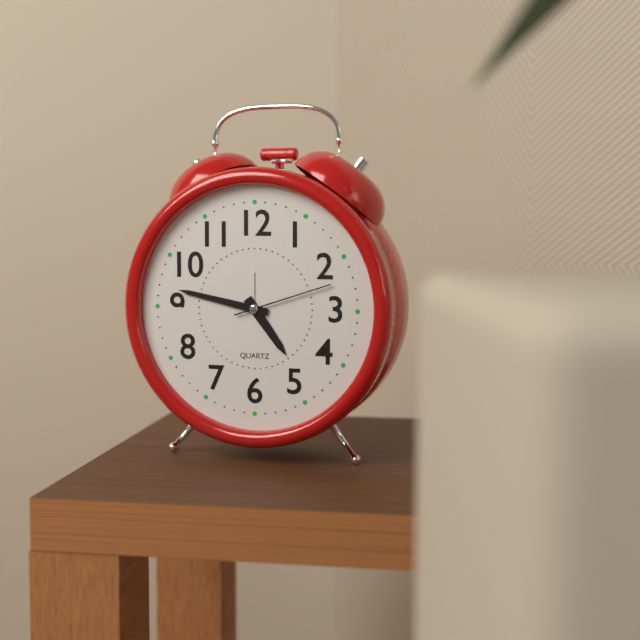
4:47:12
